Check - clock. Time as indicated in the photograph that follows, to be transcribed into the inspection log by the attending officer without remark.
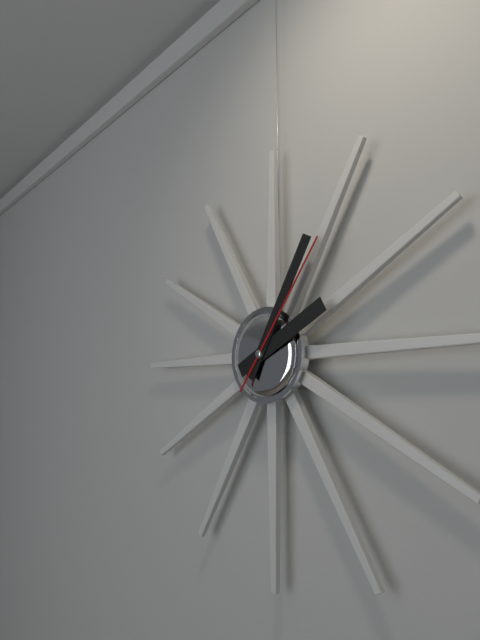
2:05:06
